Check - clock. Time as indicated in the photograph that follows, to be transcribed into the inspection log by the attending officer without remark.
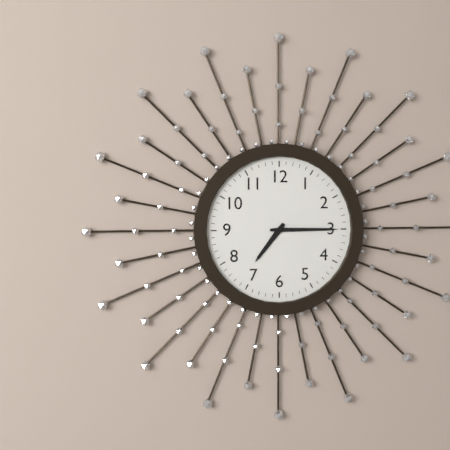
7:15
